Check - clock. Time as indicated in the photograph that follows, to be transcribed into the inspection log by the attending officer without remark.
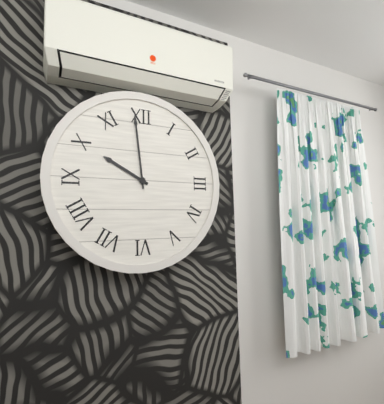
9:59
